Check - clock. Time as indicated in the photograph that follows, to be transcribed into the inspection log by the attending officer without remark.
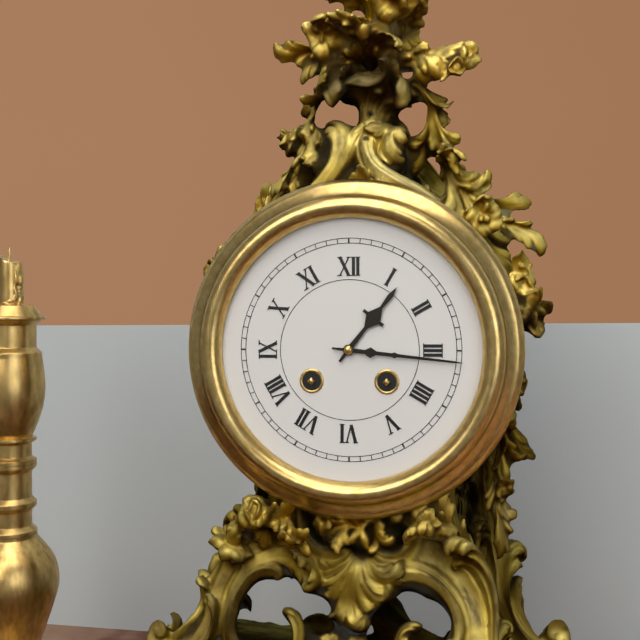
1:16
